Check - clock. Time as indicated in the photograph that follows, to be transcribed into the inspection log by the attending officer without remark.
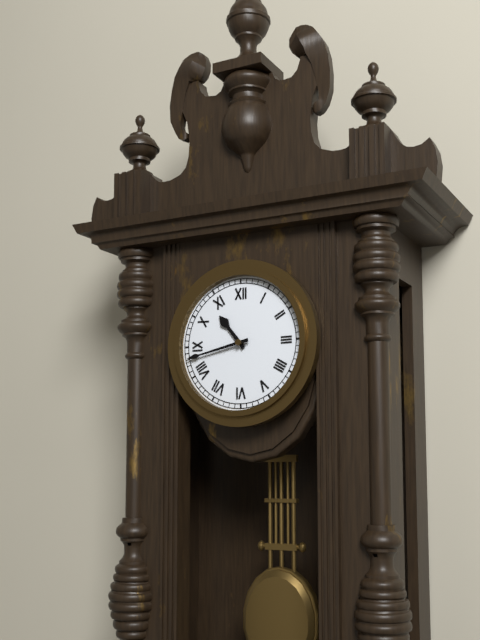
10:43
